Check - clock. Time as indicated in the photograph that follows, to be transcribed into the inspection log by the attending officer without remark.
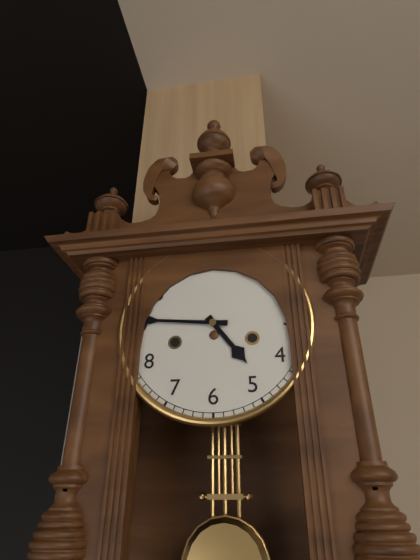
4:46
